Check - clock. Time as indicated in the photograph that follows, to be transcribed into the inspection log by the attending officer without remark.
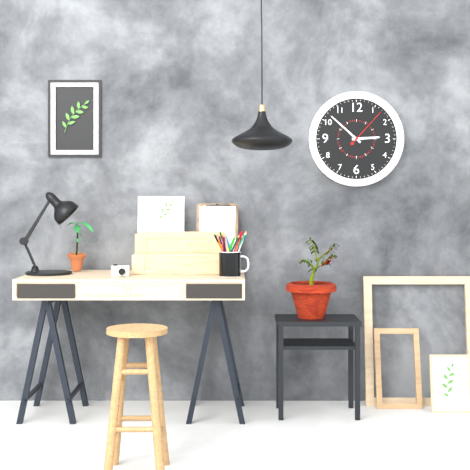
2:52
